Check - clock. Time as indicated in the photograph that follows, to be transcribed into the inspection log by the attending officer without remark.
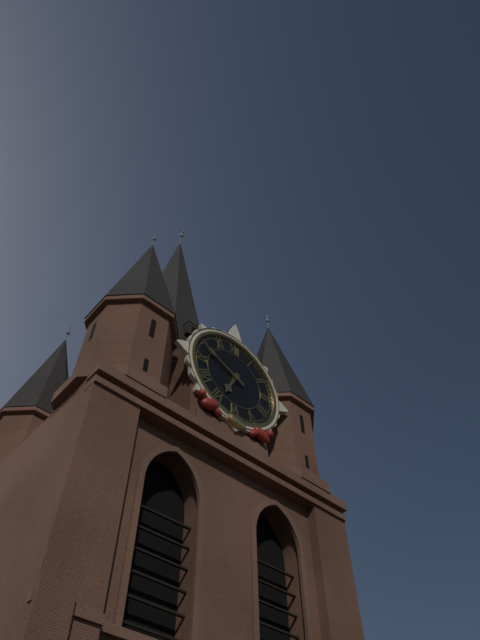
6:49
